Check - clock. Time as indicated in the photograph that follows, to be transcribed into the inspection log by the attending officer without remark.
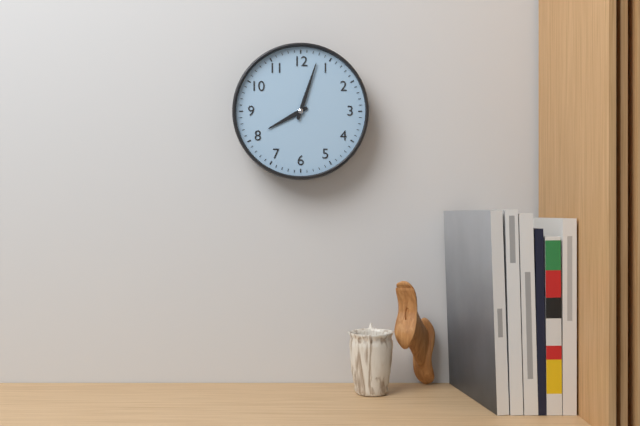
8:03
